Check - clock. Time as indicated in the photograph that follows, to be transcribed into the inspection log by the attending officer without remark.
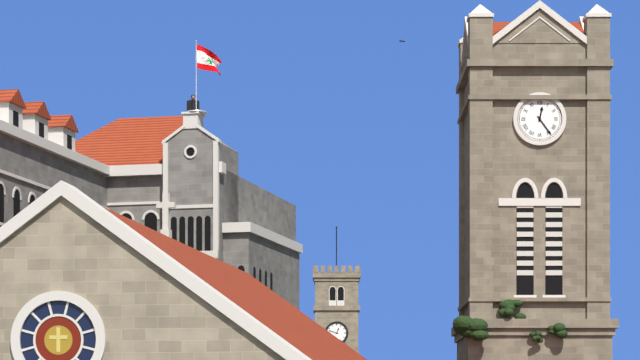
12:24
